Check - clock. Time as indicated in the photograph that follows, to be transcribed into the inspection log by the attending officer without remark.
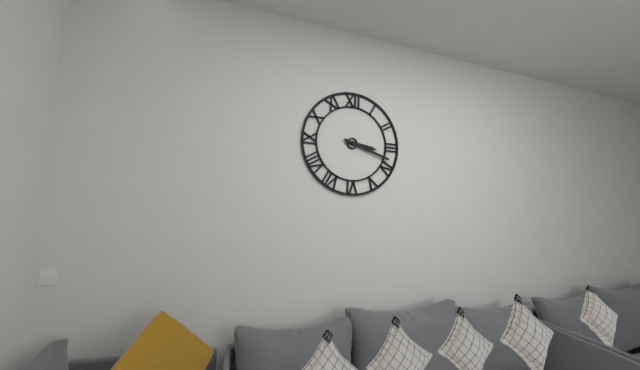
3:18
